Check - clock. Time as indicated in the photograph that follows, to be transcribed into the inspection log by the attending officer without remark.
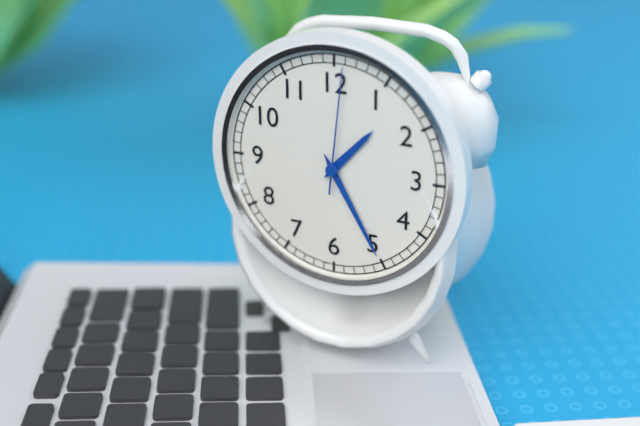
1:25:01
